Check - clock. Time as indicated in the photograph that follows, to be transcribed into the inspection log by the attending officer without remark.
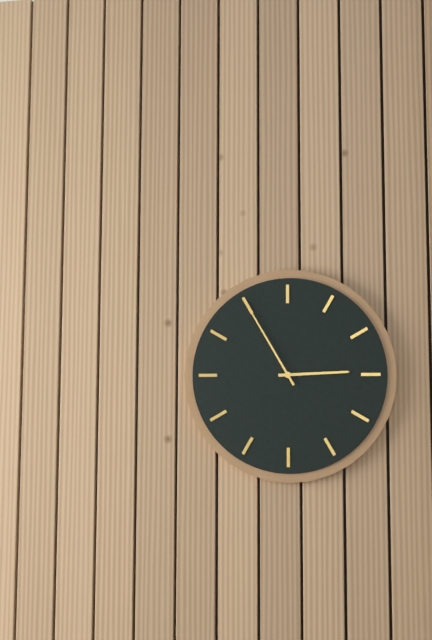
2:55
